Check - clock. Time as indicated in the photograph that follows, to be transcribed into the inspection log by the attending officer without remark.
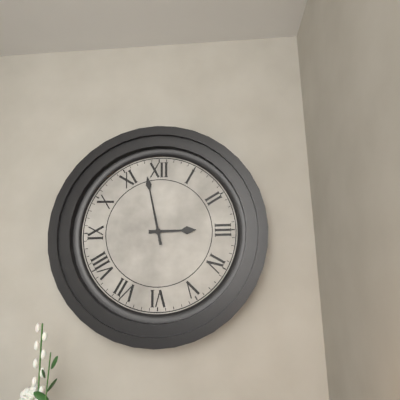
2:58
